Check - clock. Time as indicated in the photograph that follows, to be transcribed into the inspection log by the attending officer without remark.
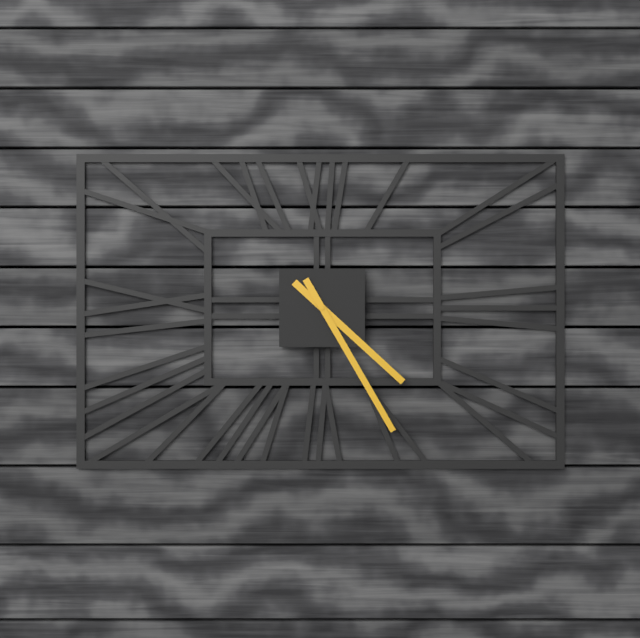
4:25
